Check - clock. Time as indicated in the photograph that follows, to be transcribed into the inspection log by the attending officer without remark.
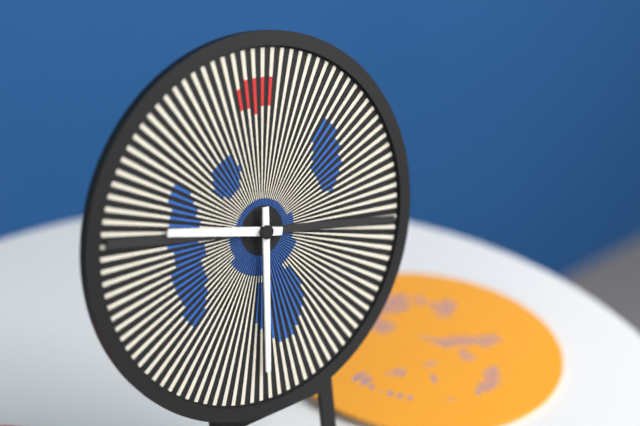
9:31
